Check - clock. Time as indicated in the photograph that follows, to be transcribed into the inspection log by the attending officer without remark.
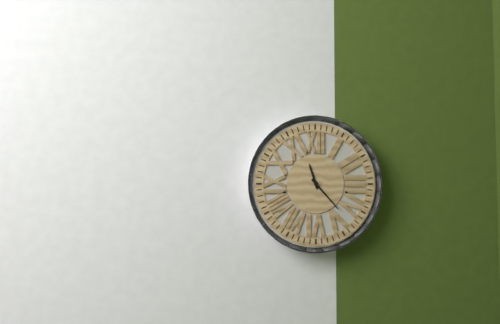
11:23
